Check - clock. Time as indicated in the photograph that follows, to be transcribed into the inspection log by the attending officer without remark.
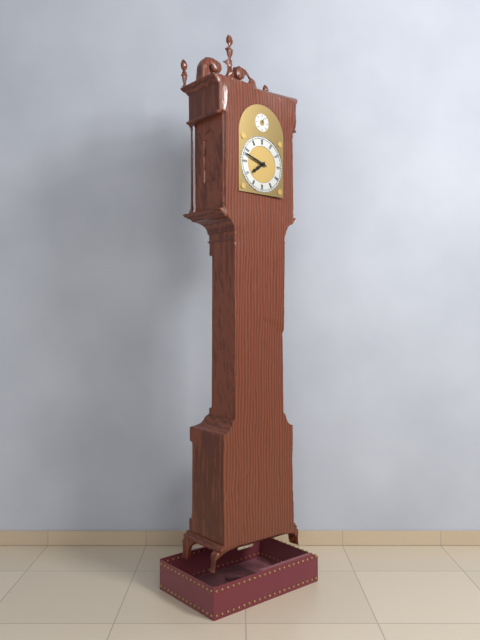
7:48
